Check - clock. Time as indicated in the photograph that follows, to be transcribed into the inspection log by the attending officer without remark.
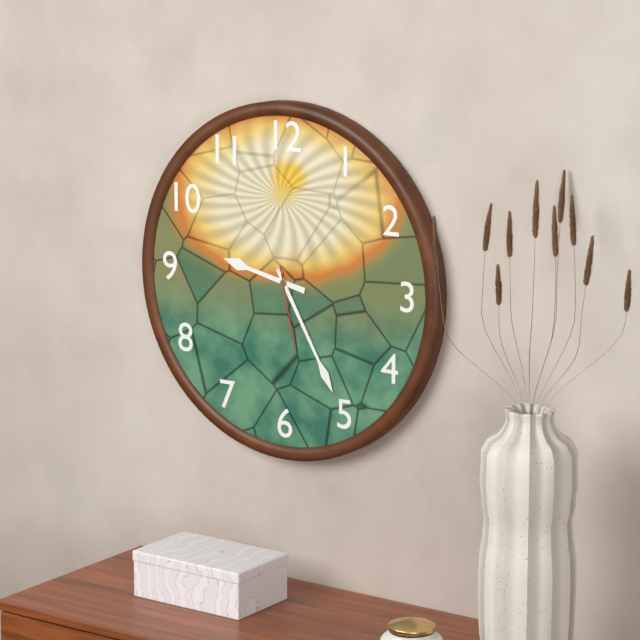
9:25:28
